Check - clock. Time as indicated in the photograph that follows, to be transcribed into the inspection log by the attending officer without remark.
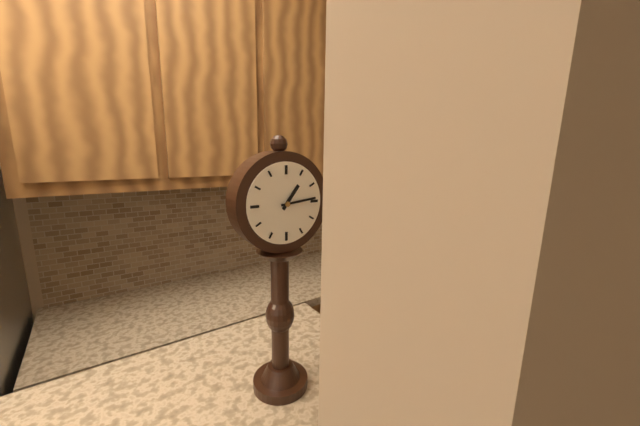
1:14
